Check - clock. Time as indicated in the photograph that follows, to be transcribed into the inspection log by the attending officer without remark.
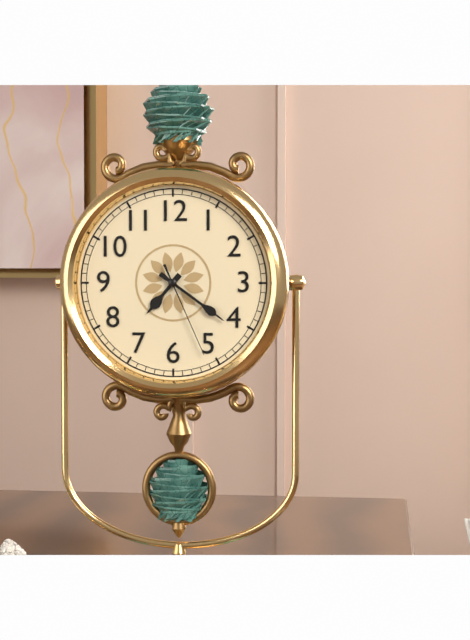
7:21:26
